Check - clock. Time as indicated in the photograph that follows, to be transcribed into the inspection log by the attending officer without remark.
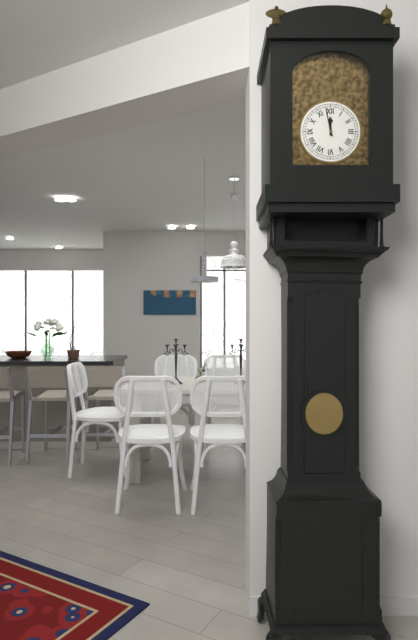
11:58
